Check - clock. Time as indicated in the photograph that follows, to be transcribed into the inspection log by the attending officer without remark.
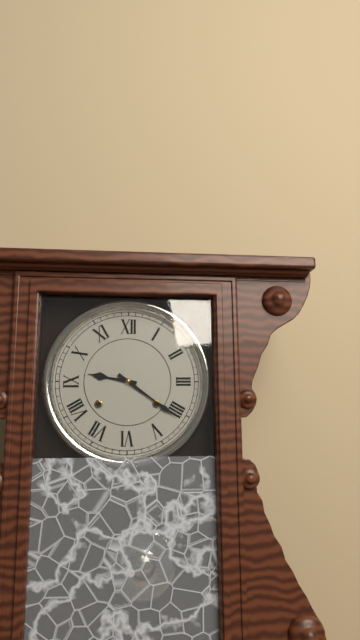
9:21
